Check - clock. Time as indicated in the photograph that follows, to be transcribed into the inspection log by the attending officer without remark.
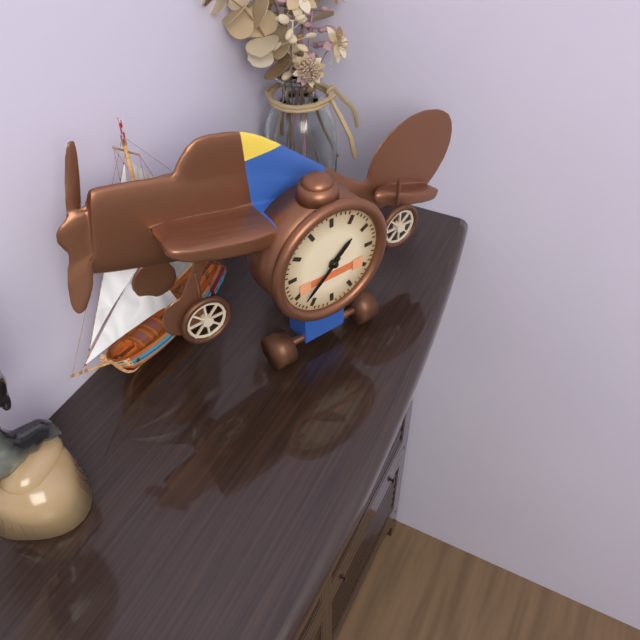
1:38
